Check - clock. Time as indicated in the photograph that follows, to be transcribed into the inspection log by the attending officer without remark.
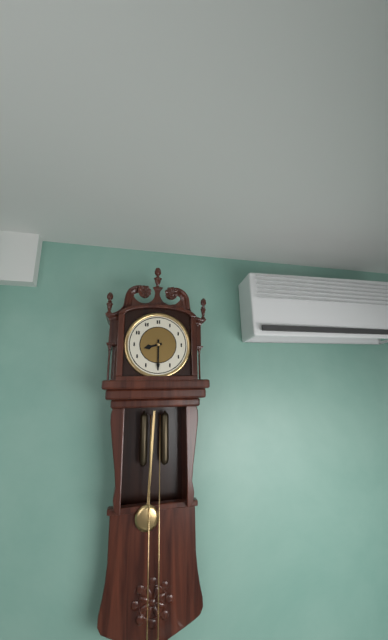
8:30
